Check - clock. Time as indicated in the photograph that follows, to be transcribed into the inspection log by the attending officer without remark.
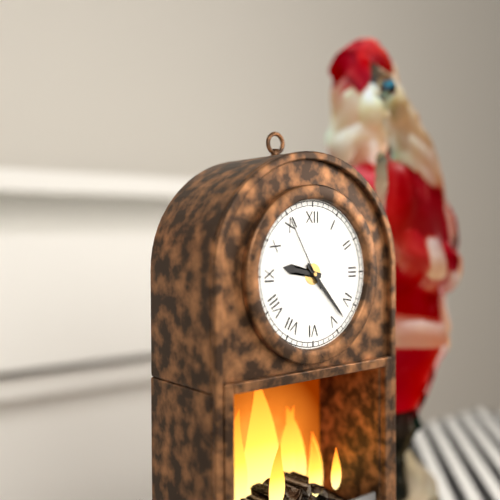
9:23:55
